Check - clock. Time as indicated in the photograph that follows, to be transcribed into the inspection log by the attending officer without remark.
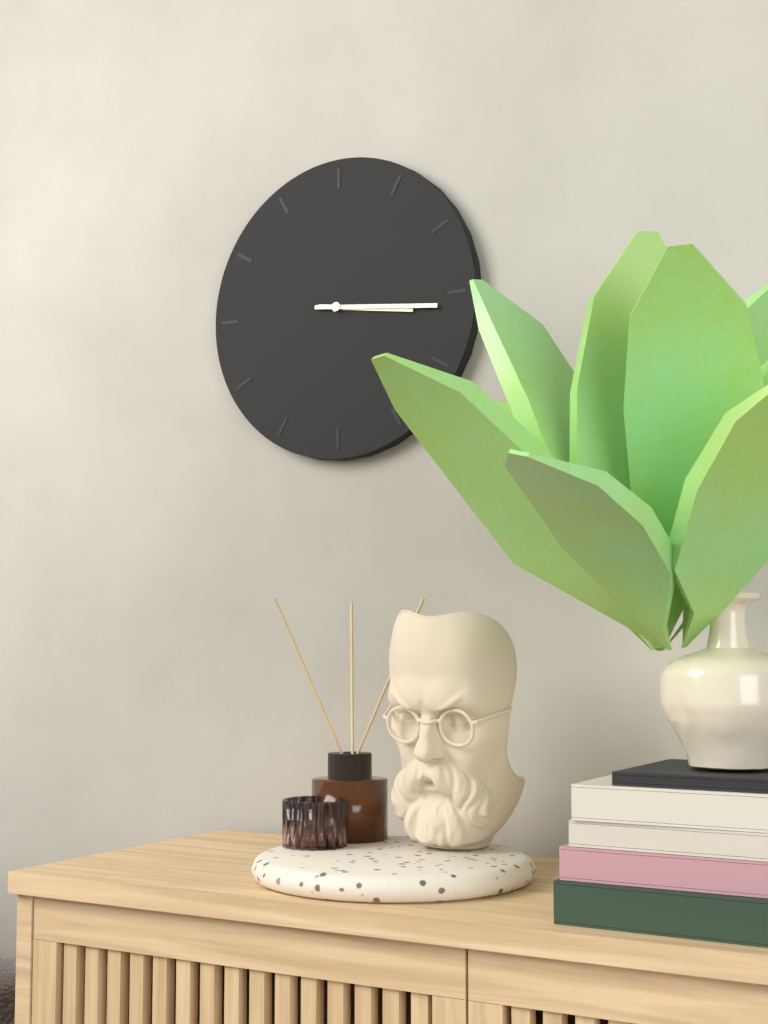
3:16
